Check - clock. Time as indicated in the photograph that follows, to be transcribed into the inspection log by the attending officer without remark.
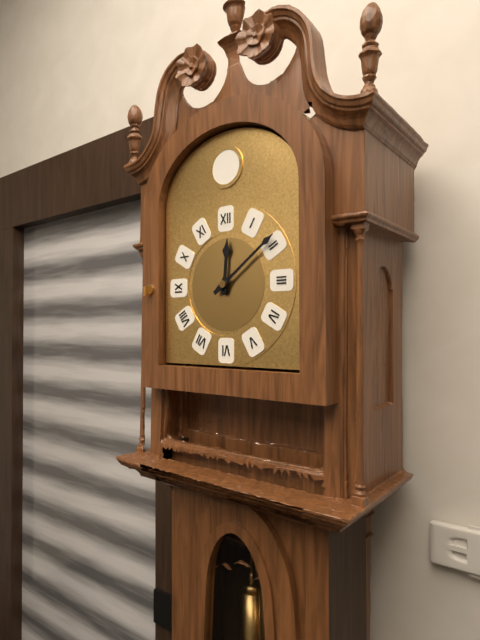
12:09
